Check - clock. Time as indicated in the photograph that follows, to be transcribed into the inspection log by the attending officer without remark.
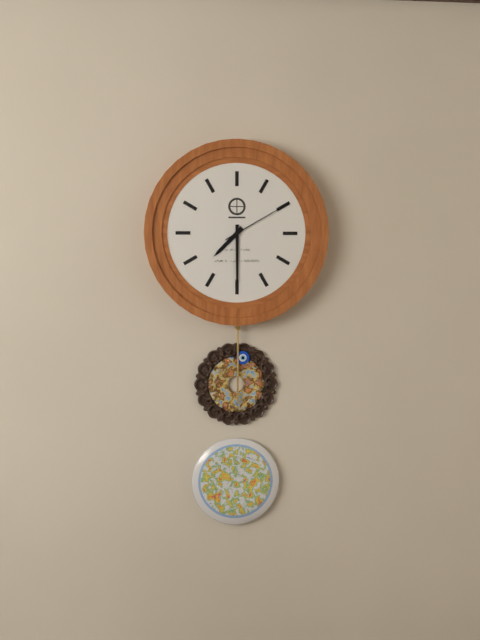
7:30:10
